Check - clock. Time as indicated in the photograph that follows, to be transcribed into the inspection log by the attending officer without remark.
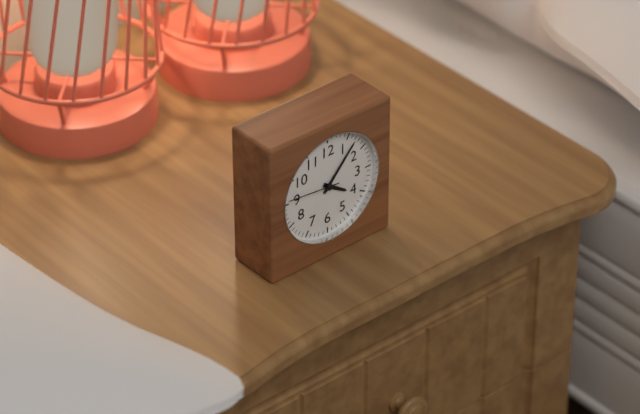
4:07:46
